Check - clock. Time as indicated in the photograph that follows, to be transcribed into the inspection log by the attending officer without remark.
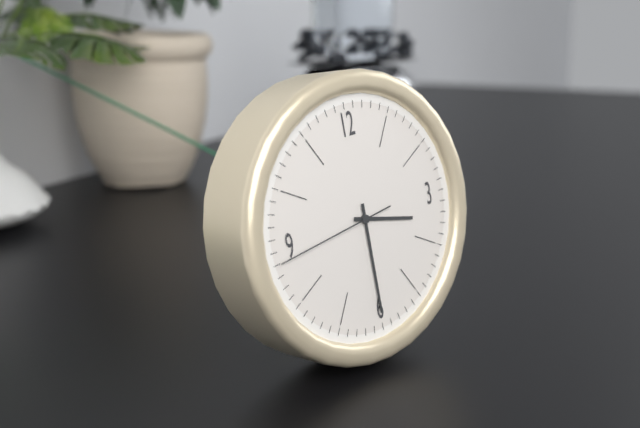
3:30:44
